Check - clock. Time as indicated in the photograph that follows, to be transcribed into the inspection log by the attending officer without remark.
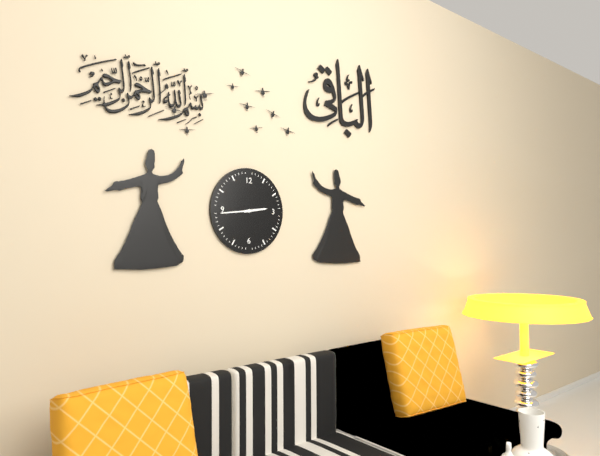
2:44
